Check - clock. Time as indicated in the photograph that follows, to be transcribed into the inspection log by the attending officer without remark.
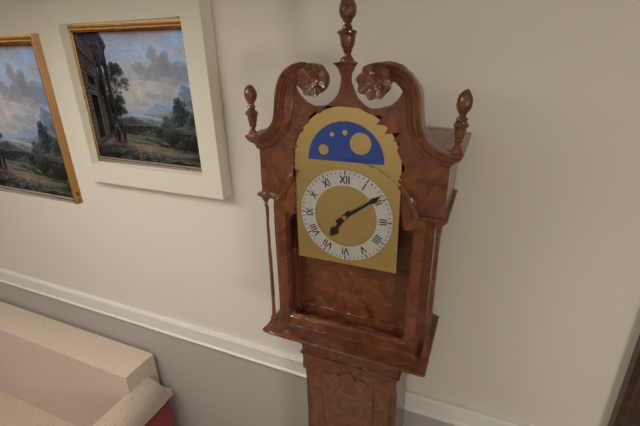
7:09
